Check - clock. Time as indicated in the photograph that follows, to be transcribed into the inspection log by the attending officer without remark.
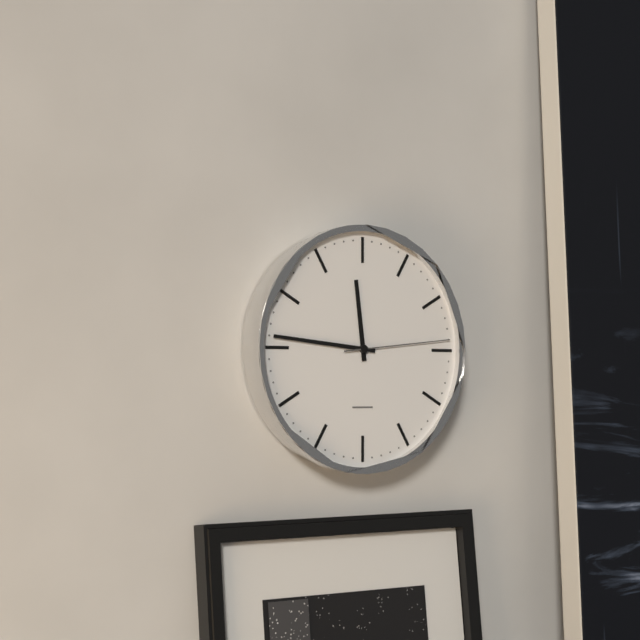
11:46:14
